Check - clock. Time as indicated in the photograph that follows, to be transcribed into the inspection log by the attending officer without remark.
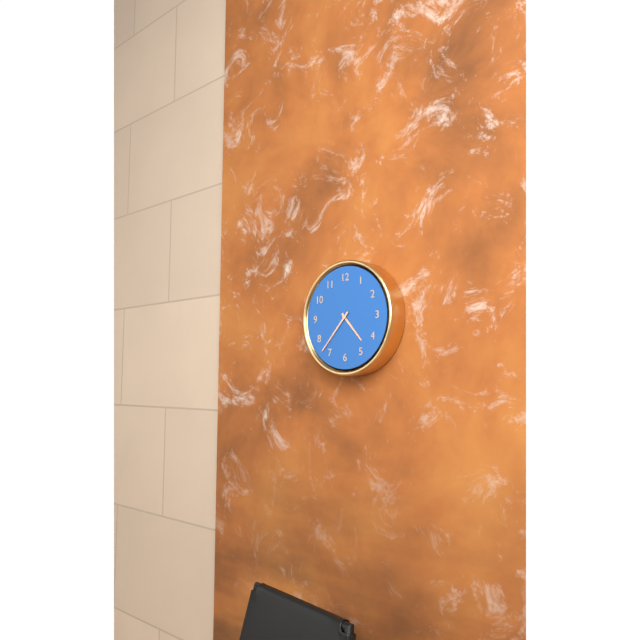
4:37
